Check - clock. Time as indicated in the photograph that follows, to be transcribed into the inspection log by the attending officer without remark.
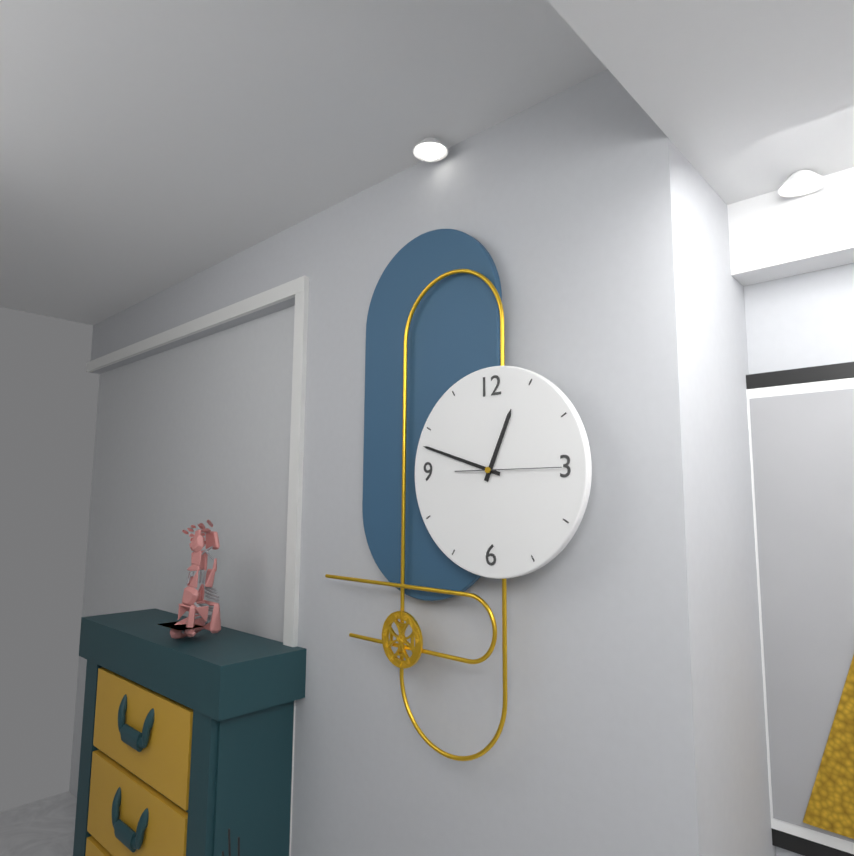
12:48:15
